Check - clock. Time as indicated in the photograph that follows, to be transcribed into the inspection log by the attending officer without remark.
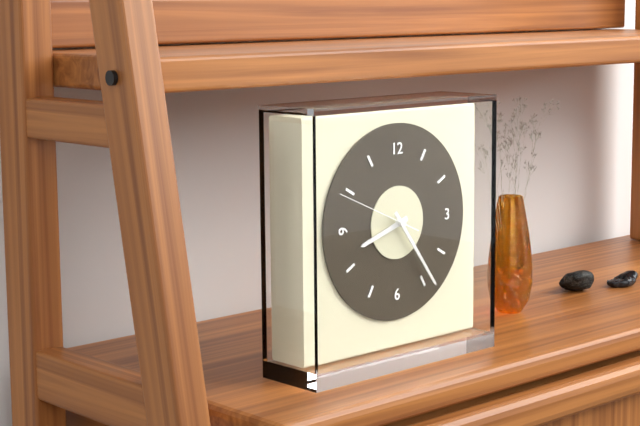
8:24:49
